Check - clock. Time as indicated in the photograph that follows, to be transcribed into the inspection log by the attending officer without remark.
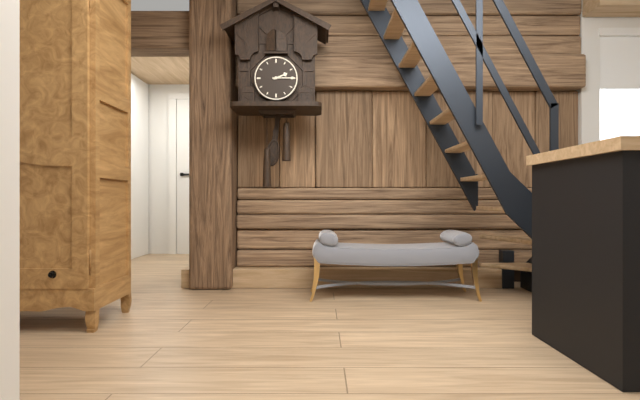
2:15
